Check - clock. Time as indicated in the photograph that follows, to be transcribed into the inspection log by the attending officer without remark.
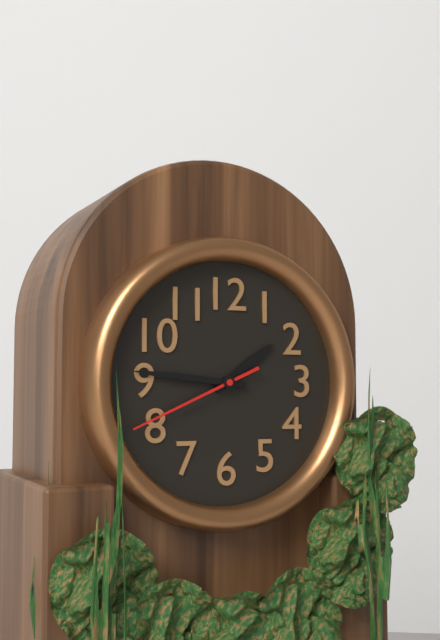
1:46:41
